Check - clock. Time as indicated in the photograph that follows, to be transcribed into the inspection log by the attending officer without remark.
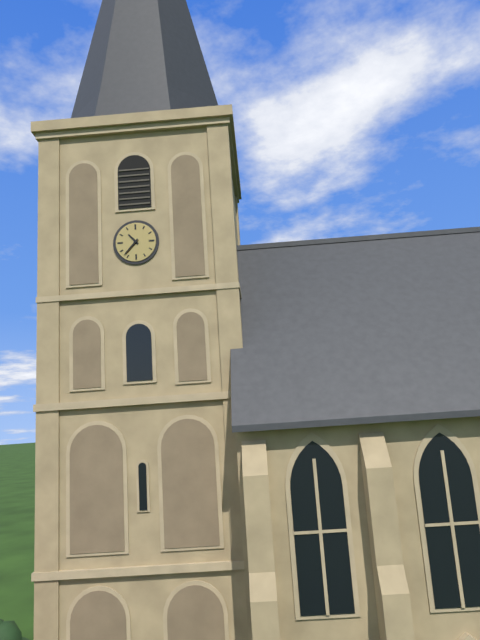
10:37
